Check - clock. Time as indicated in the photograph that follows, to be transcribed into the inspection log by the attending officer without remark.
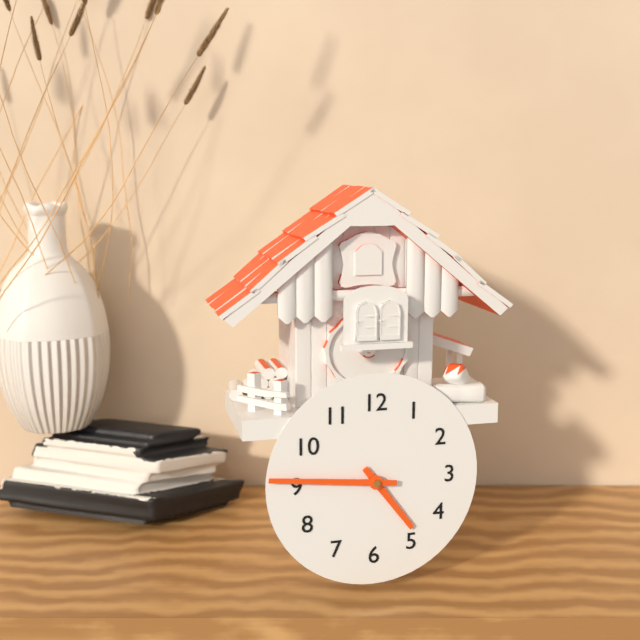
4:46
